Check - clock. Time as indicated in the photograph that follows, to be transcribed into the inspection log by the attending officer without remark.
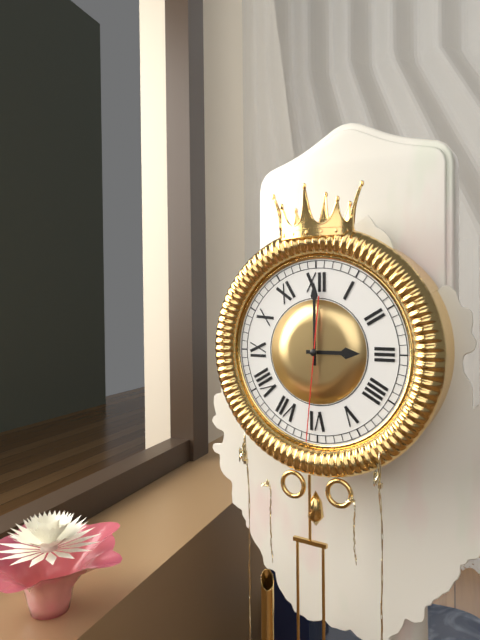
3:00:31
